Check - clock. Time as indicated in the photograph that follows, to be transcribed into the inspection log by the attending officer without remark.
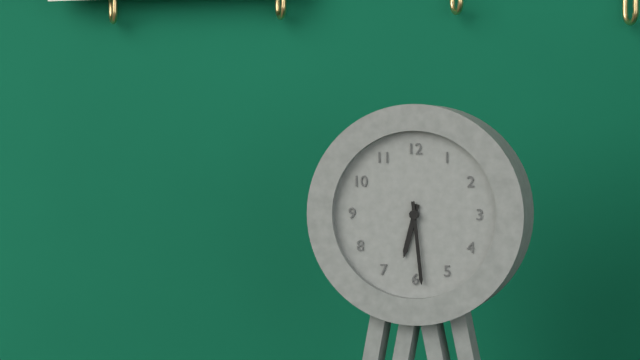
6:29
